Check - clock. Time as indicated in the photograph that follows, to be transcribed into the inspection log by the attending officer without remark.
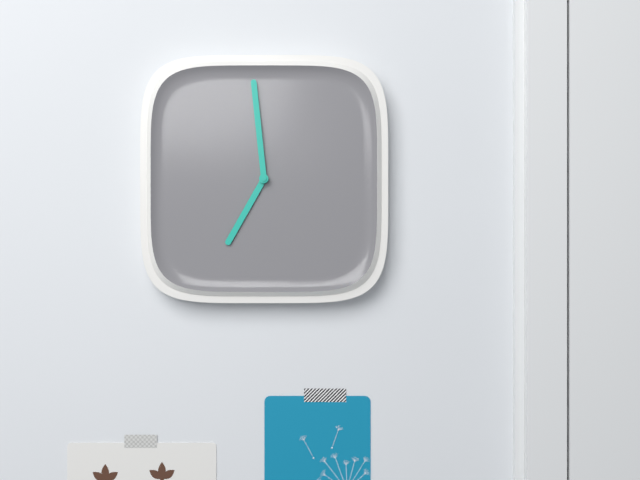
6:59
